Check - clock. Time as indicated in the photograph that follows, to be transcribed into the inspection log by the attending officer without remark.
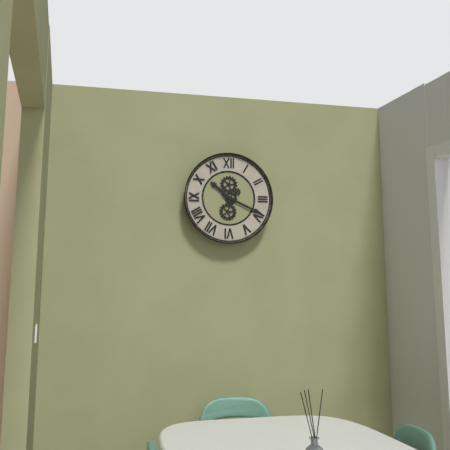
10:19
